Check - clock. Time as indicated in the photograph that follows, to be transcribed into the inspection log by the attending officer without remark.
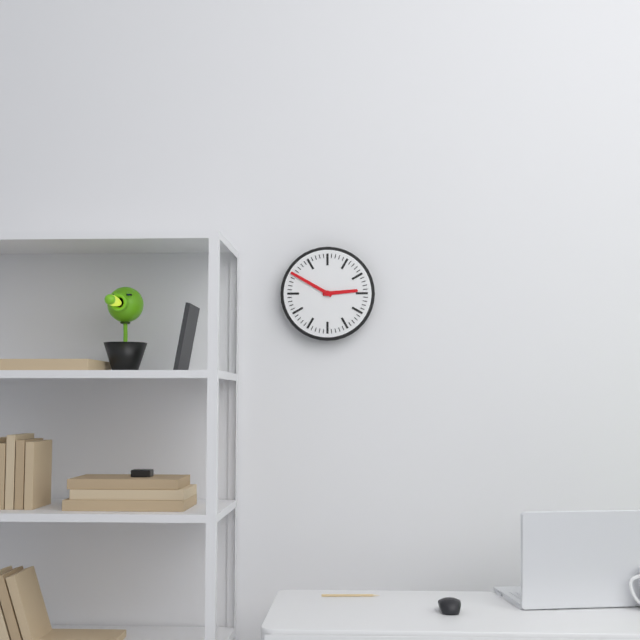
2:50
